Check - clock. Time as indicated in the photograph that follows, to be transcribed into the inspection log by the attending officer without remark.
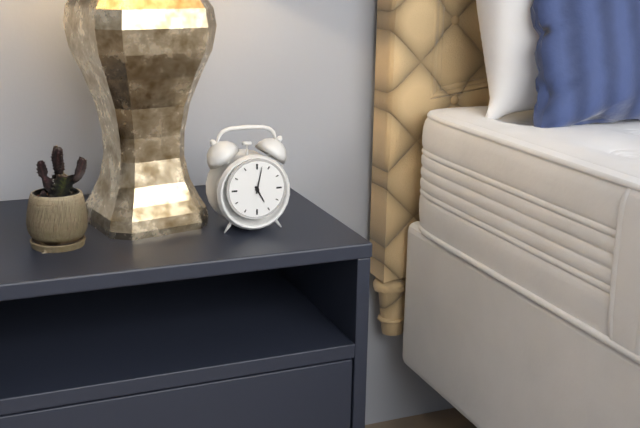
5:02
